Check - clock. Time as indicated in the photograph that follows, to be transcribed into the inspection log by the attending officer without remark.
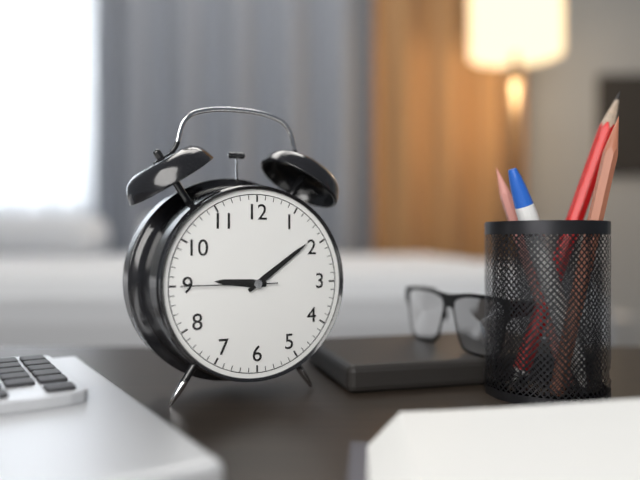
9:09:45
